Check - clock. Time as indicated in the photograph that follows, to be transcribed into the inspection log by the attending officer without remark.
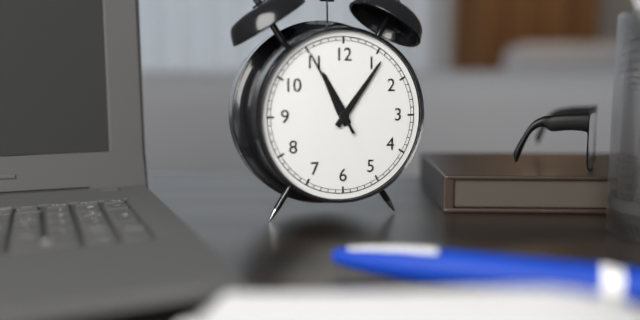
11:06:55
